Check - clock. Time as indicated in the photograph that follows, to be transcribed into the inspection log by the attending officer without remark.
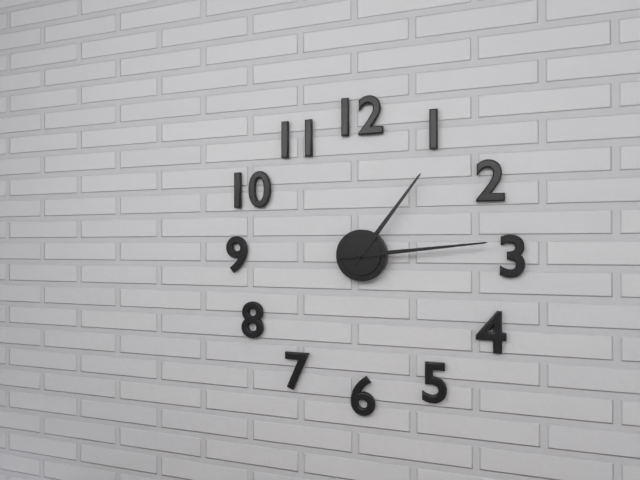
1:14
